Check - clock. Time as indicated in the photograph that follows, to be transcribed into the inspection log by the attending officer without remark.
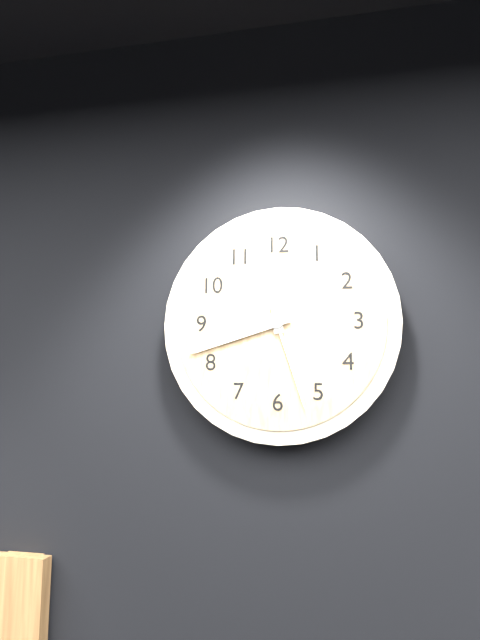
11:42:27
